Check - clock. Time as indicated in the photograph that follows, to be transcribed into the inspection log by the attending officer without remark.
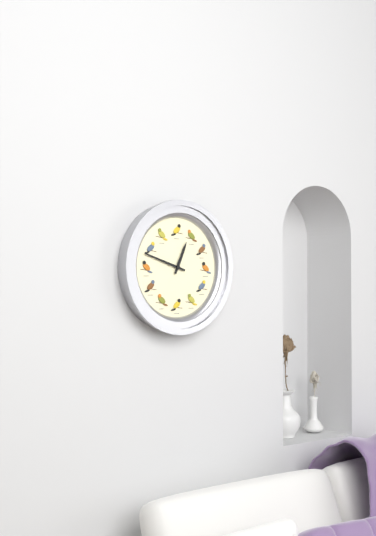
12:48
